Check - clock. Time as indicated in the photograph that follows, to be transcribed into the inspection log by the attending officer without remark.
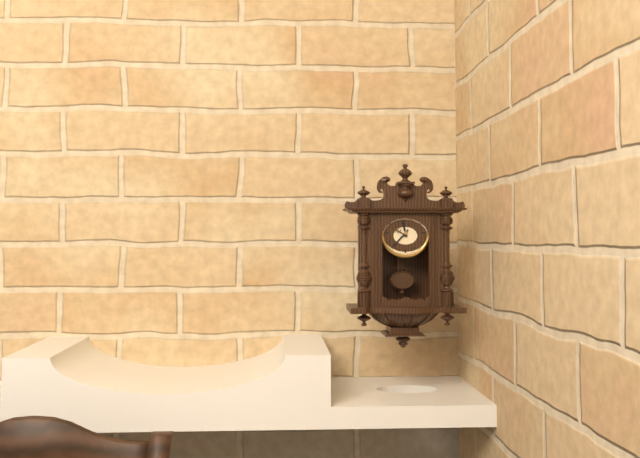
11:37
